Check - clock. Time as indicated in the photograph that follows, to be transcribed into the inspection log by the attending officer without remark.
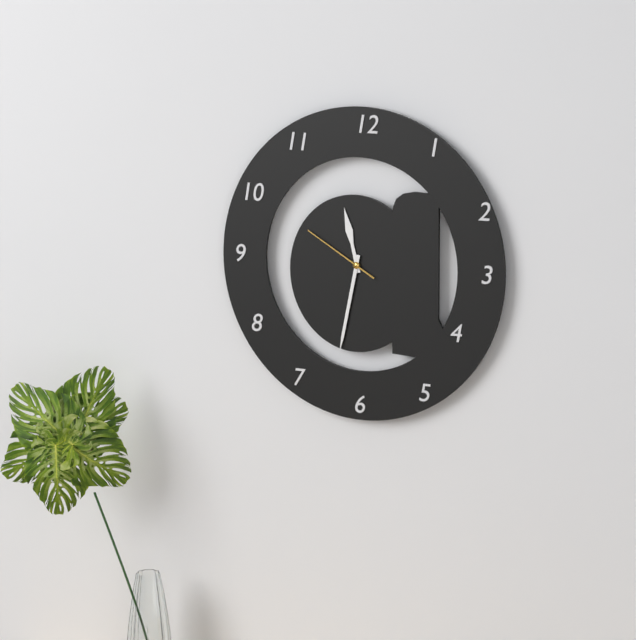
11:32:50
